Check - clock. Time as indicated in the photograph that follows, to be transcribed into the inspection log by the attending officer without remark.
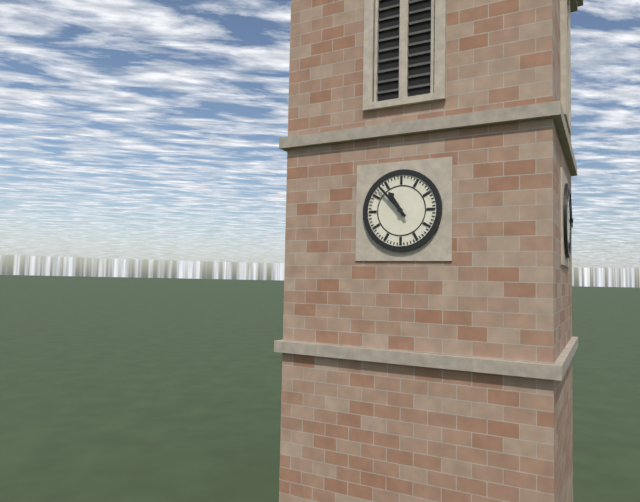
10:53
